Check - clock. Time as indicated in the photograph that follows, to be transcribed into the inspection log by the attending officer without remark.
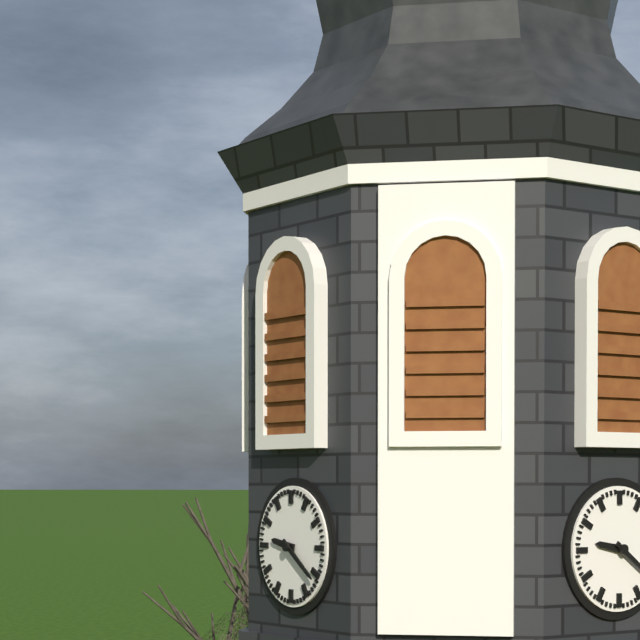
9:21
